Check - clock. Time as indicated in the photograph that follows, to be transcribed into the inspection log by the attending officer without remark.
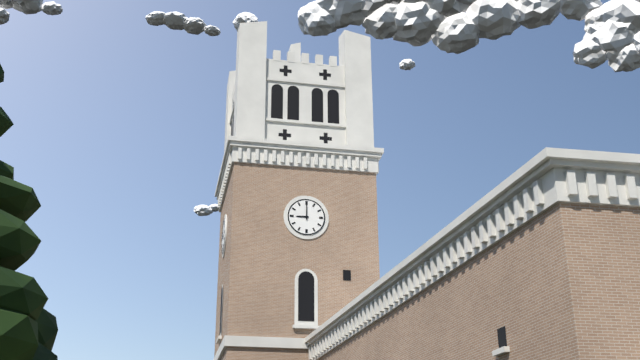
9:00
